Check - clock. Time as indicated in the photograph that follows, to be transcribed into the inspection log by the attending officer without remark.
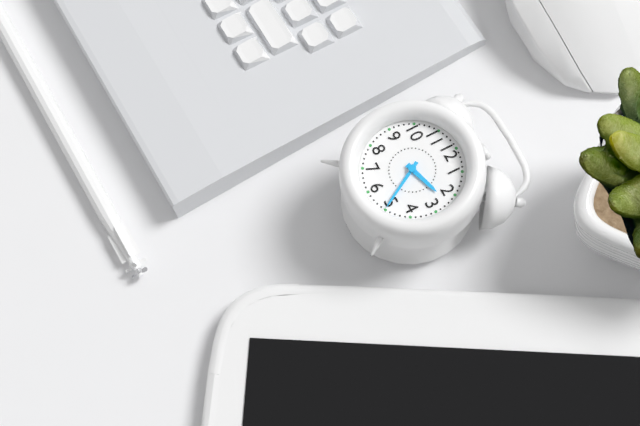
2:25
